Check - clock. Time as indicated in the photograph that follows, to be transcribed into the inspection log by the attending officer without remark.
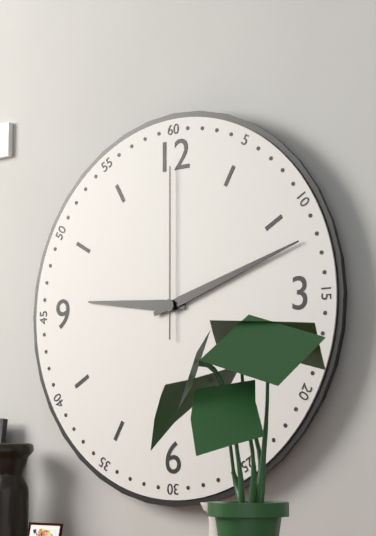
9:12:00
